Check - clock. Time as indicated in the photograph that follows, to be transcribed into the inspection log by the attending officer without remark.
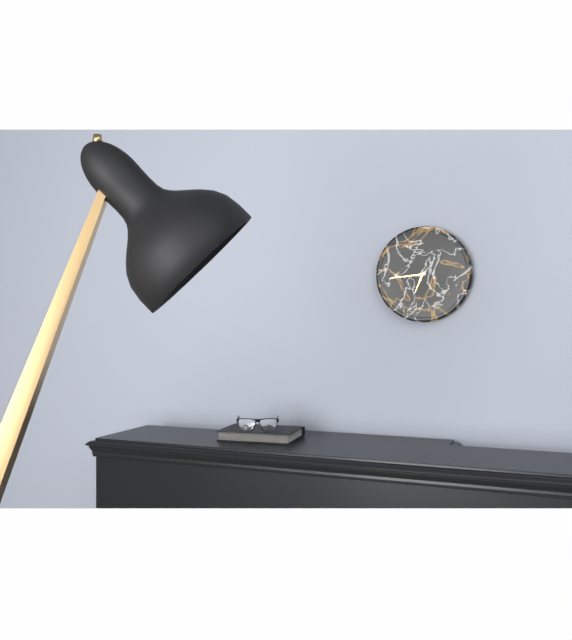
6:44
